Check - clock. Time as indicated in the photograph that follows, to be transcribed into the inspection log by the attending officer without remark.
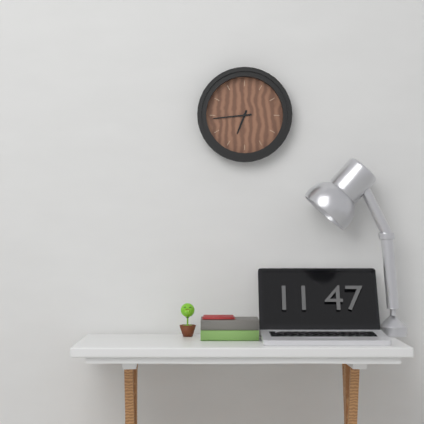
6:44
